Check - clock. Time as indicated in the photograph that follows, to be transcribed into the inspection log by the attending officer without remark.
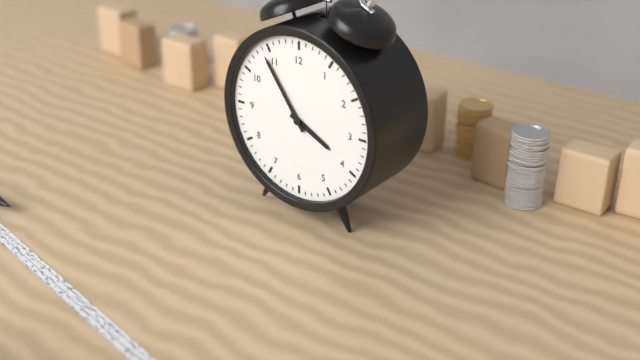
3:54
